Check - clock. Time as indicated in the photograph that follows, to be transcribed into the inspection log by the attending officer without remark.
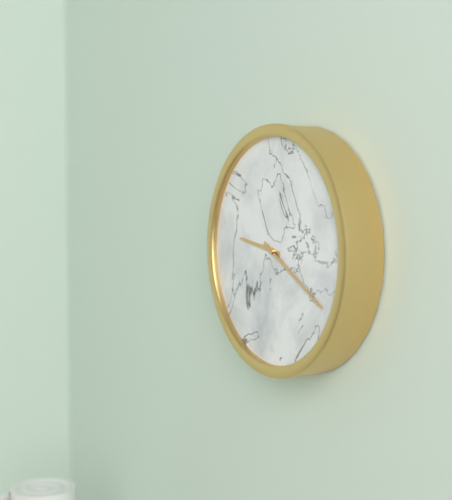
9:20
